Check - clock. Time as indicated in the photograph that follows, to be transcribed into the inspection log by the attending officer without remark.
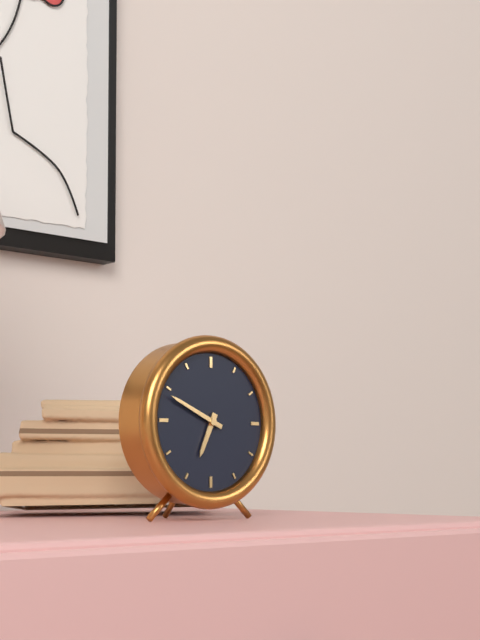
6:49
